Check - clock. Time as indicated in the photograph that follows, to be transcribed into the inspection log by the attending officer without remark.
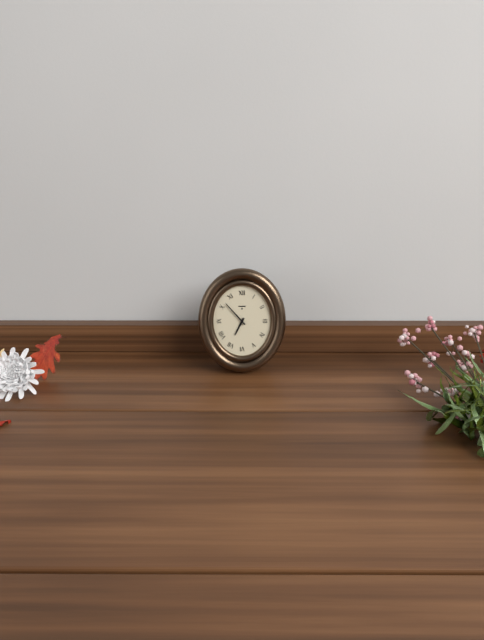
6:53
